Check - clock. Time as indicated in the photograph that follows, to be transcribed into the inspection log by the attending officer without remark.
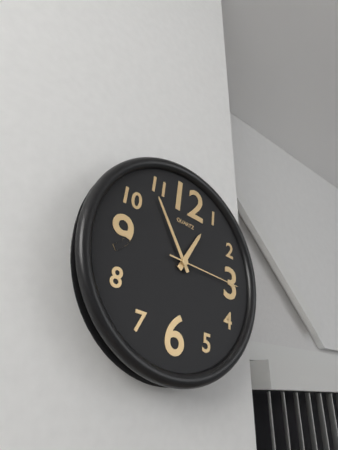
12:54:15
